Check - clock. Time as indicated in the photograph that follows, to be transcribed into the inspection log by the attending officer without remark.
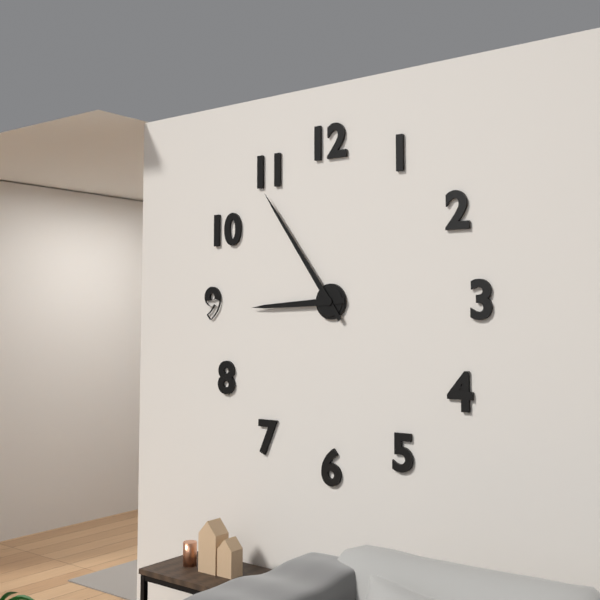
8:54
